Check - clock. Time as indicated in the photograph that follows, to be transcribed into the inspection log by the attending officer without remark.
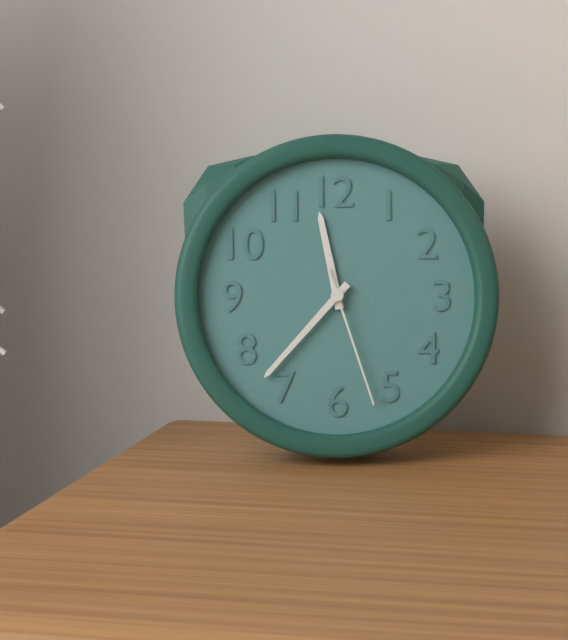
11:37:27
